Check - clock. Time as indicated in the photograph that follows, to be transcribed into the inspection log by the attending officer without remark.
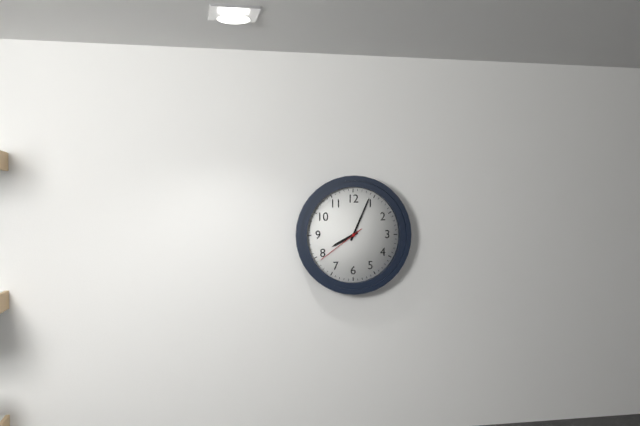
8:04:39
